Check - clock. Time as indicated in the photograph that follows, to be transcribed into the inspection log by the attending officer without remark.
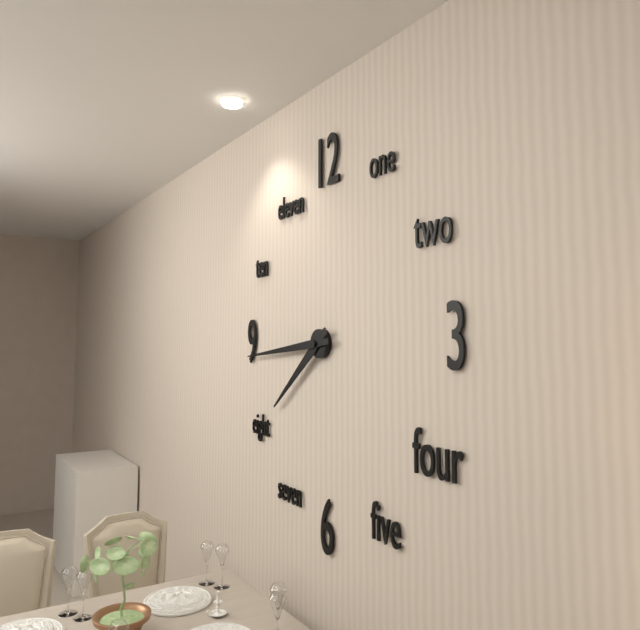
7:44
